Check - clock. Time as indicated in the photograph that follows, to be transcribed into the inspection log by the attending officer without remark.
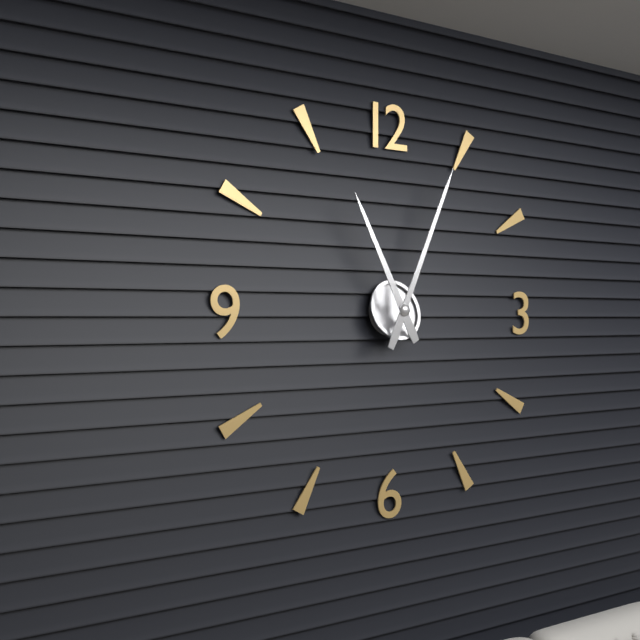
11:04
